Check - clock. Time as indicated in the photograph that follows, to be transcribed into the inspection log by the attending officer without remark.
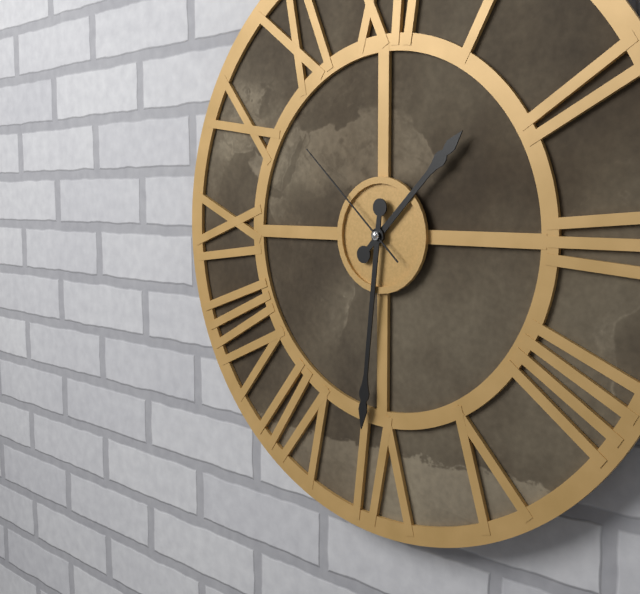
1:31:52
